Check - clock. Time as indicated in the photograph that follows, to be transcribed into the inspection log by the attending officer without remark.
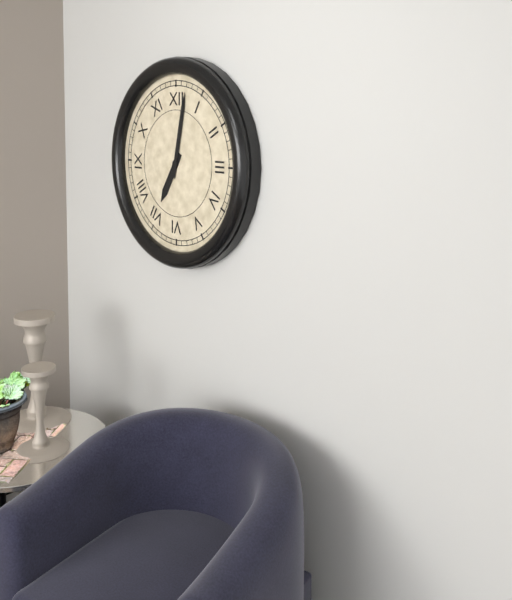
7:02
